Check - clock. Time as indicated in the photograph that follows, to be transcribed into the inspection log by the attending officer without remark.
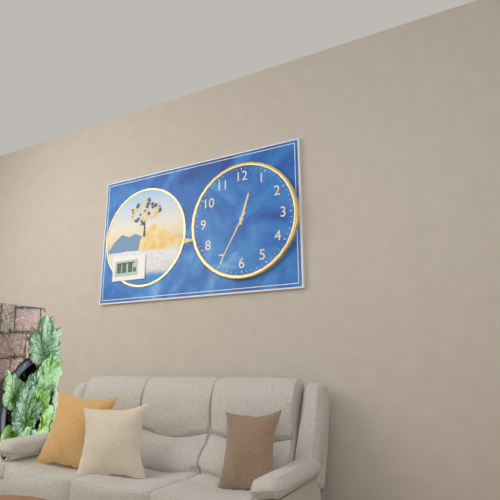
12:35
